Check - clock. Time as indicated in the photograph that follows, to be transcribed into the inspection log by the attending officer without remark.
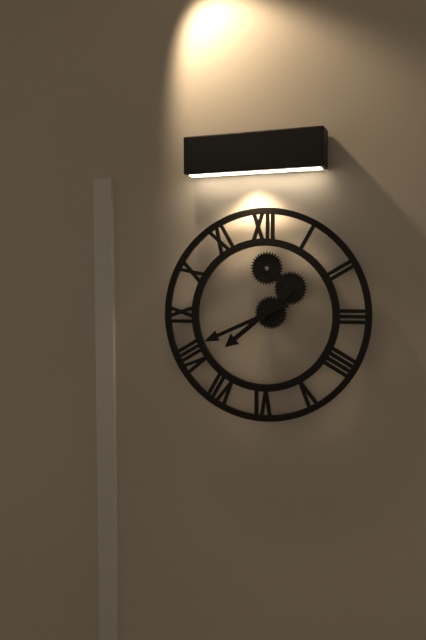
7:41
